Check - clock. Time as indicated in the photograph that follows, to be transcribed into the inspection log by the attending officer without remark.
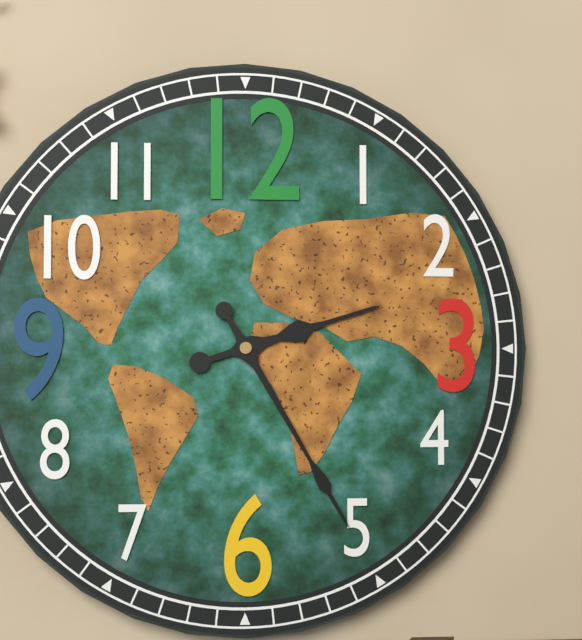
2:25
